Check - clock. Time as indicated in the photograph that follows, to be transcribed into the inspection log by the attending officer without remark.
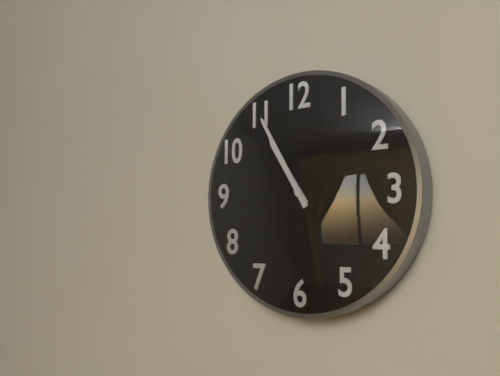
10:55
